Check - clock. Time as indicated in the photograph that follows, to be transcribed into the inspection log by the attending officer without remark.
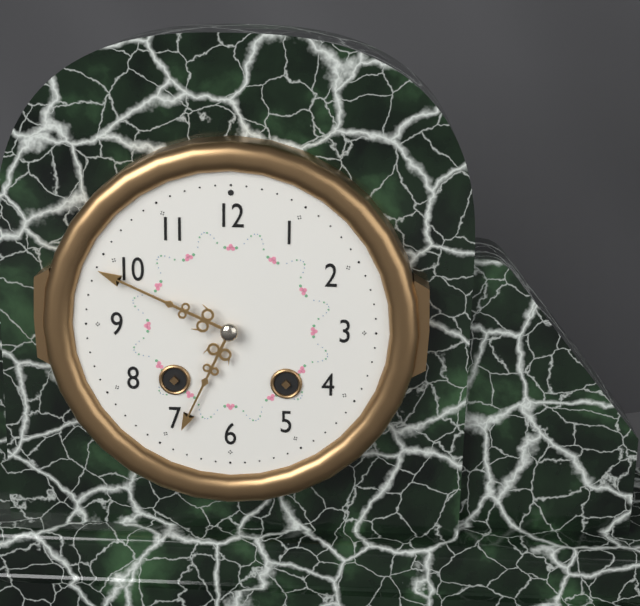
6:49
